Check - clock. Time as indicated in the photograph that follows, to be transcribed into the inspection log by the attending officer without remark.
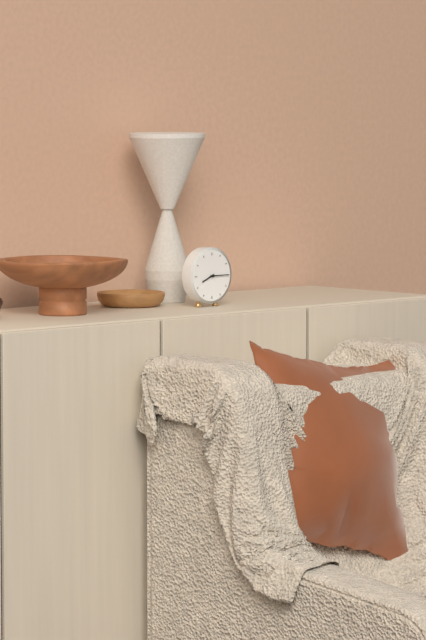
8:15
